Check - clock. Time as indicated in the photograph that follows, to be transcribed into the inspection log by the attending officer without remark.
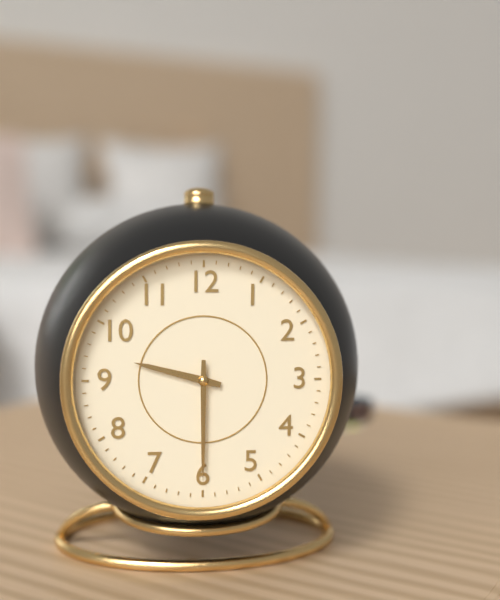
9:30
